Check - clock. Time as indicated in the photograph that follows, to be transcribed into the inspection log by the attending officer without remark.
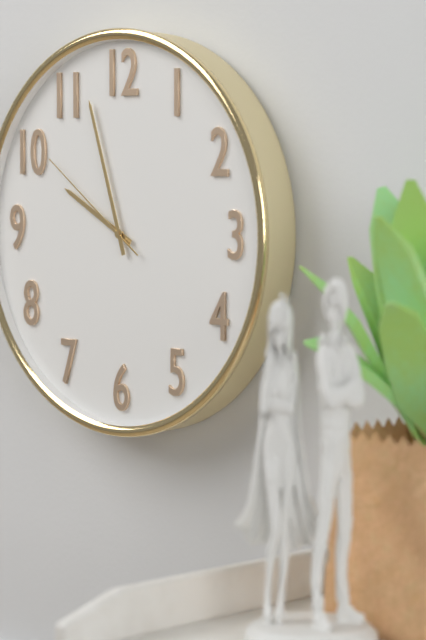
9:57:51
